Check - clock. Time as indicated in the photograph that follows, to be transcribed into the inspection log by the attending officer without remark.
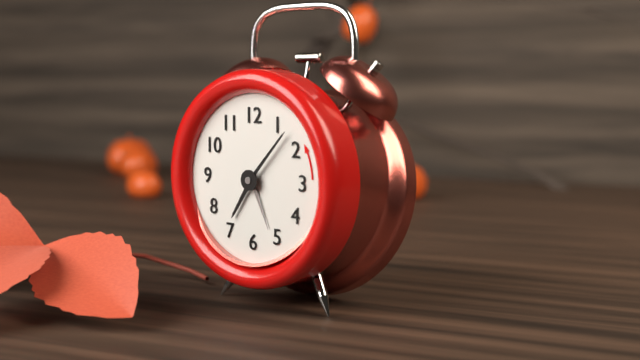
7:07:26
